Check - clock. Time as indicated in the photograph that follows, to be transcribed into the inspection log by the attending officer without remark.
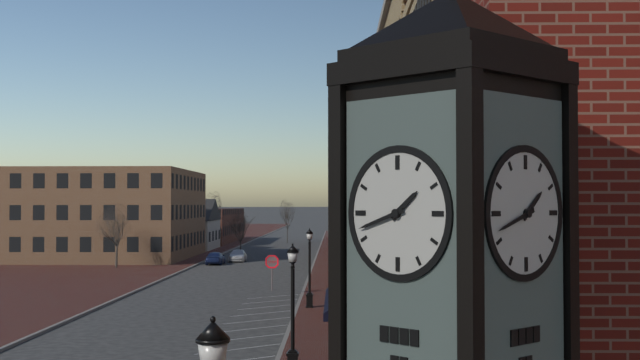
1:42
